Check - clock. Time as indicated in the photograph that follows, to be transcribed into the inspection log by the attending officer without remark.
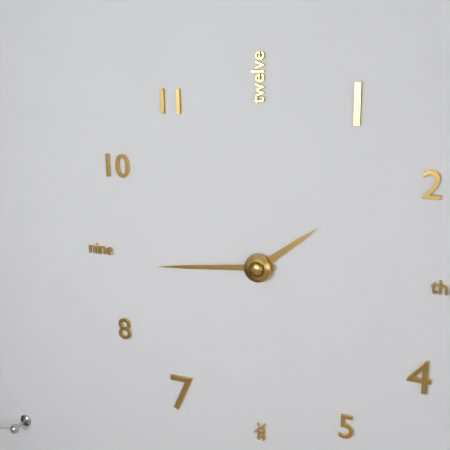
1:44
